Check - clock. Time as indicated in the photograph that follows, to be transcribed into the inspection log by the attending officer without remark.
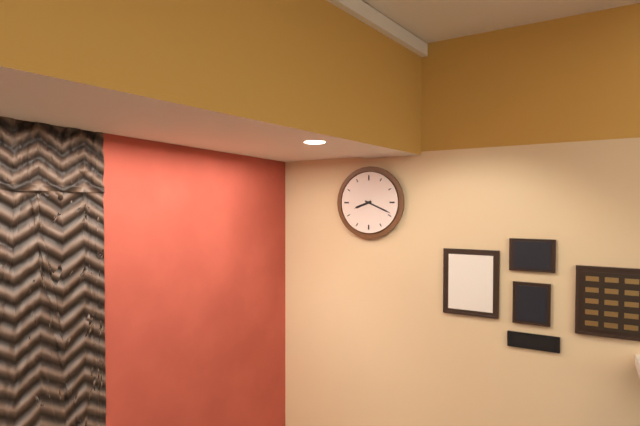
8:19
